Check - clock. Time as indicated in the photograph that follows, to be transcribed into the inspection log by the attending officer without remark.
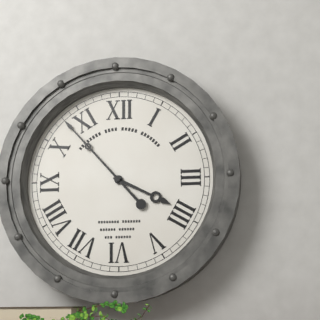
3:53
